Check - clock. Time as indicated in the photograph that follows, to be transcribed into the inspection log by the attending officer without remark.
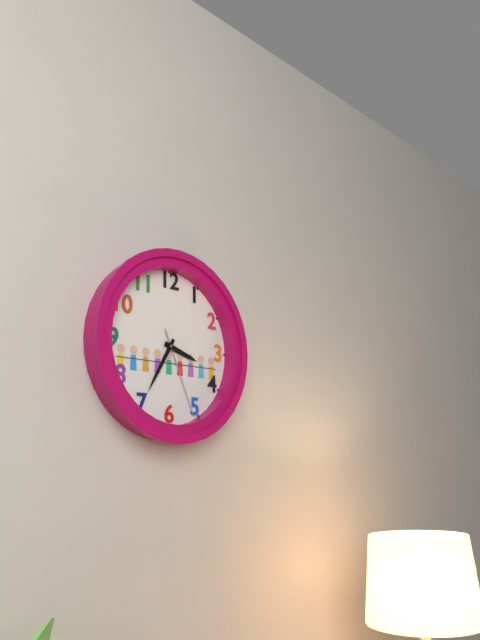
3:35:26
